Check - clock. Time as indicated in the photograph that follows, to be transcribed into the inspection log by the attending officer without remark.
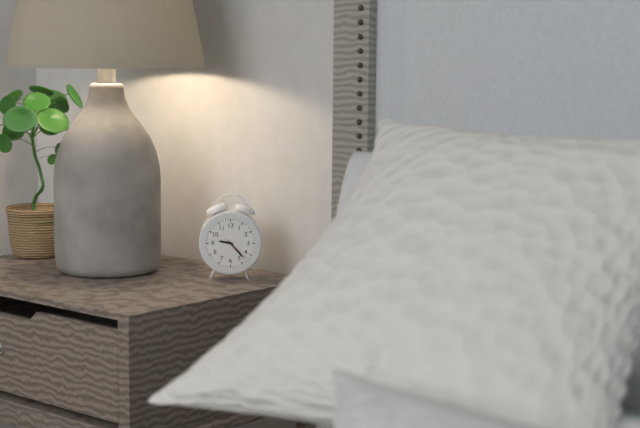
9:23
